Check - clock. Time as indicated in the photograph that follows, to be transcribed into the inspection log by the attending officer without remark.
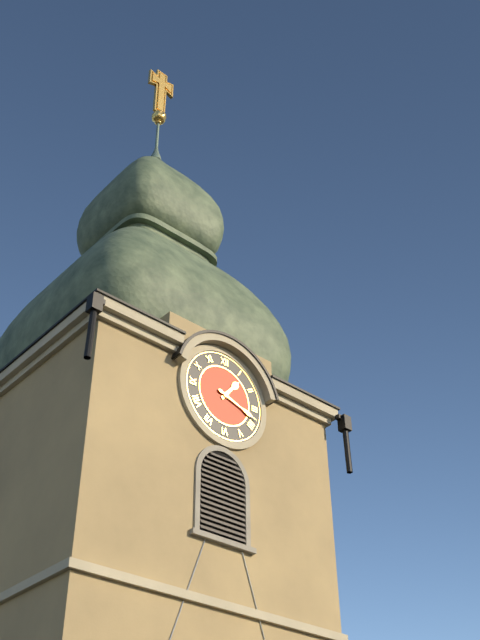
1:18
